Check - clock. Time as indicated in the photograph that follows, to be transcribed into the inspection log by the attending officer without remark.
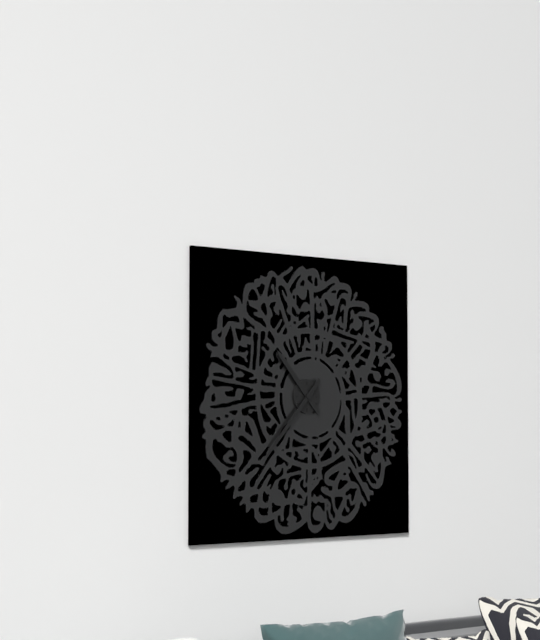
10:37
